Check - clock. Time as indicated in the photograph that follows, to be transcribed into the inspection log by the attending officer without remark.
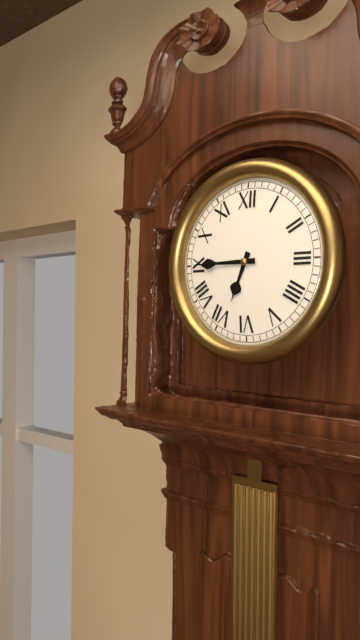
6:45
